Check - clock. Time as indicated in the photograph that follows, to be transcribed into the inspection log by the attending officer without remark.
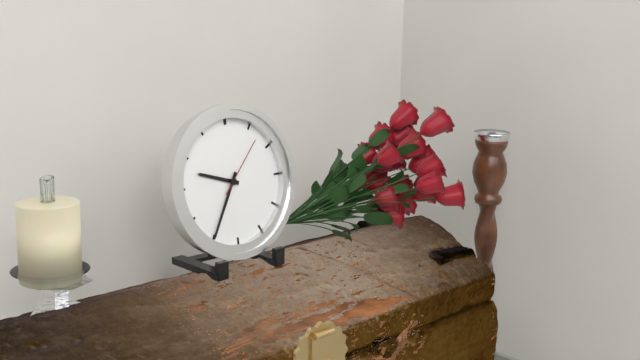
9:35:07
